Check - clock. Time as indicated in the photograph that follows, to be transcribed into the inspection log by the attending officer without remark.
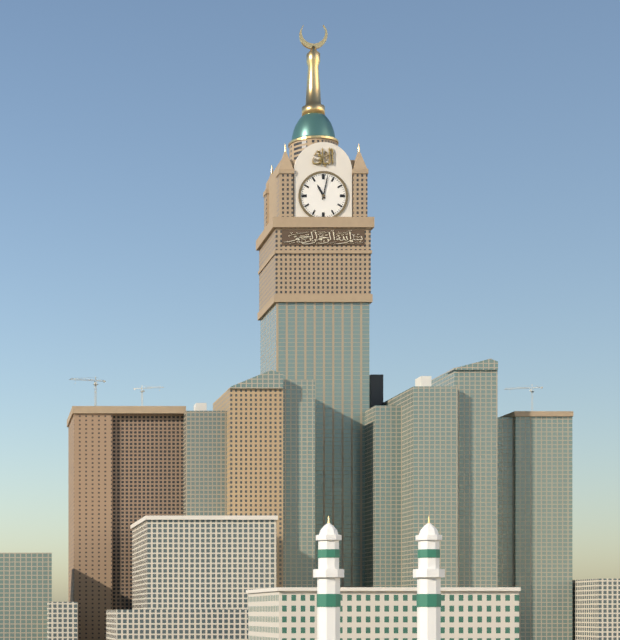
11:02
